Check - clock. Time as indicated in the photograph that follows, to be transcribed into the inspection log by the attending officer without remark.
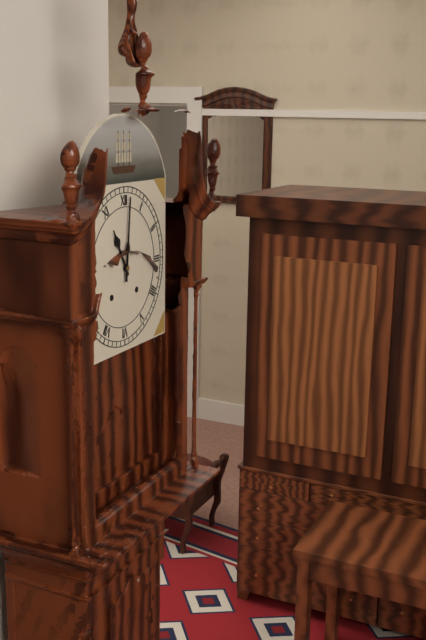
11:01
